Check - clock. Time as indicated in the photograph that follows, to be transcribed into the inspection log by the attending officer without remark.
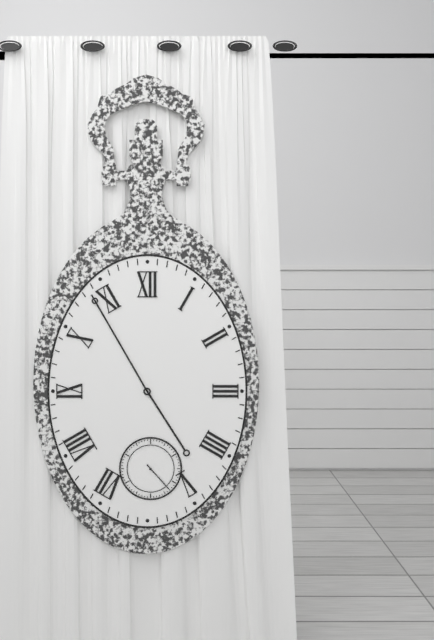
4:55
